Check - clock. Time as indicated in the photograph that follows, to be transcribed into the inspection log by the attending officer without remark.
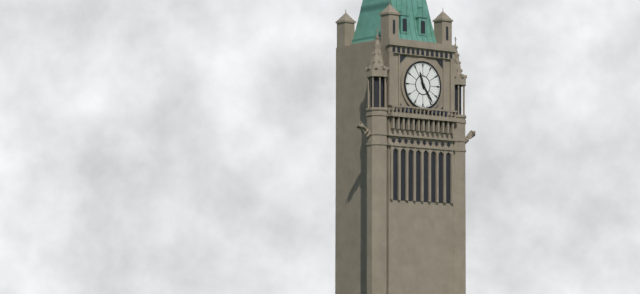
11:24
